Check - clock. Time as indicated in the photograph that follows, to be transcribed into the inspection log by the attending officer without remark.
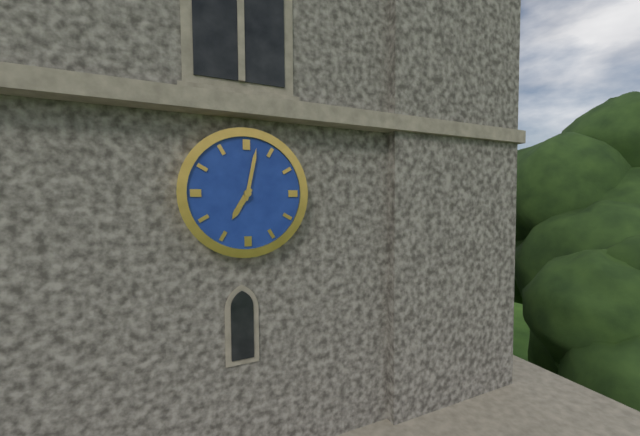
7:02
